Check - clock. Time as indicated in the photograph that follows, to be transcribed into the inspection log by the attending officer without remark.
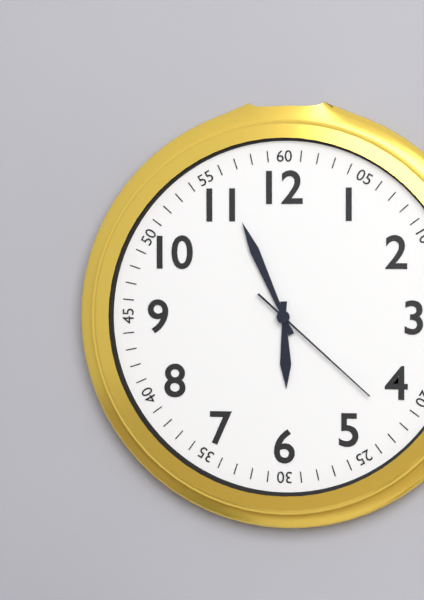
5:56:22
